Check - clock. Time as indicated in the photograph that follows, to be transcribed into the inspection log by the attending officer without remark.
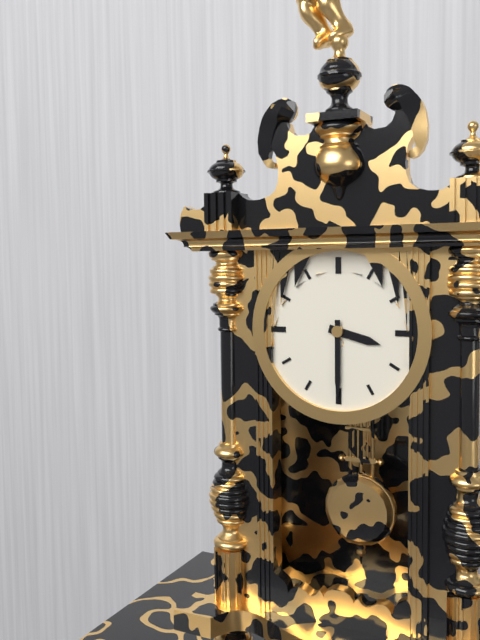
3:30
